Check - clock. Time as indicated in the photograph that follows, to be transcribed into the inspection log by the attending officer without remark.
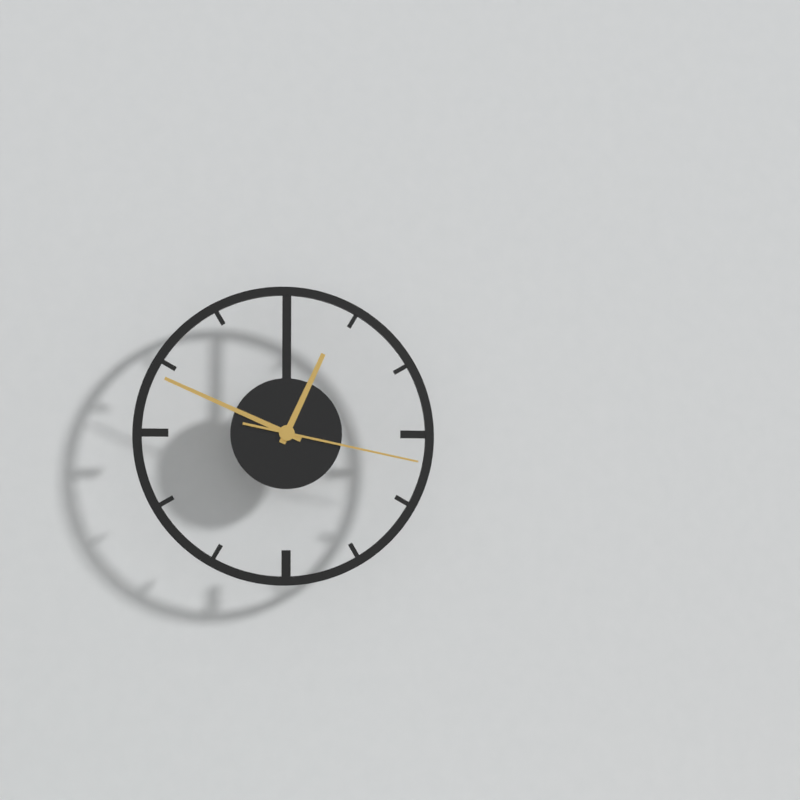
12:49:17
